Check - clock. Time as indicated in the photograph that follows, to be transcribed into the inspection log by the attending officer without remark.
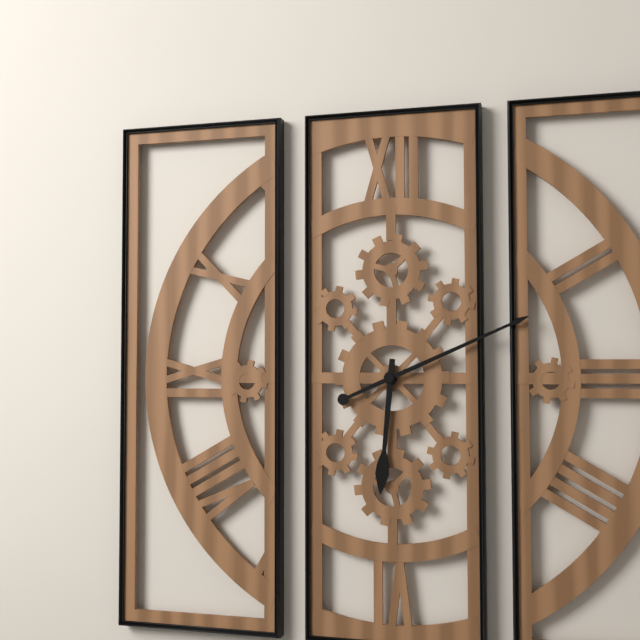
6:11
